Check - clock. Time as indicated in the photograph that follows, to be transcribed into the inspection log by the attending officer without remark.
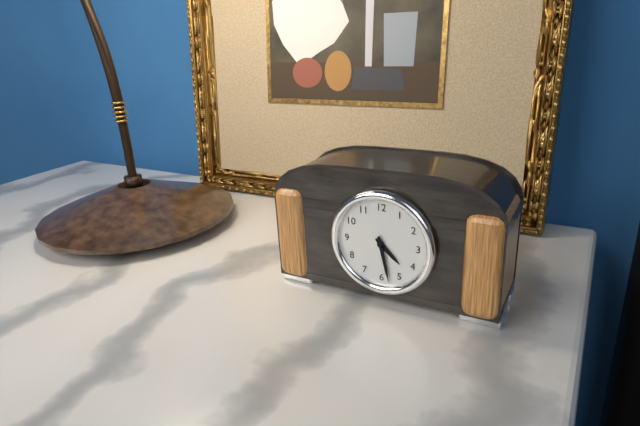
4:28
